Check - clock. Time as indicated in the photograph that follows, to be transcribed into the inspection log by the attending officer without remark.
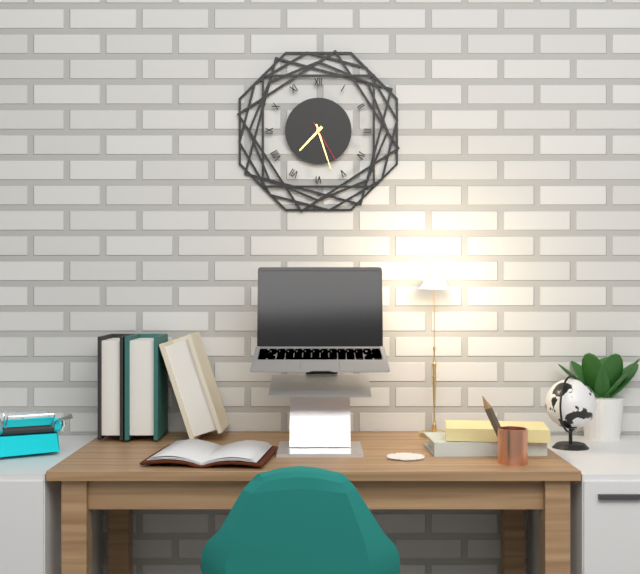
7:27
